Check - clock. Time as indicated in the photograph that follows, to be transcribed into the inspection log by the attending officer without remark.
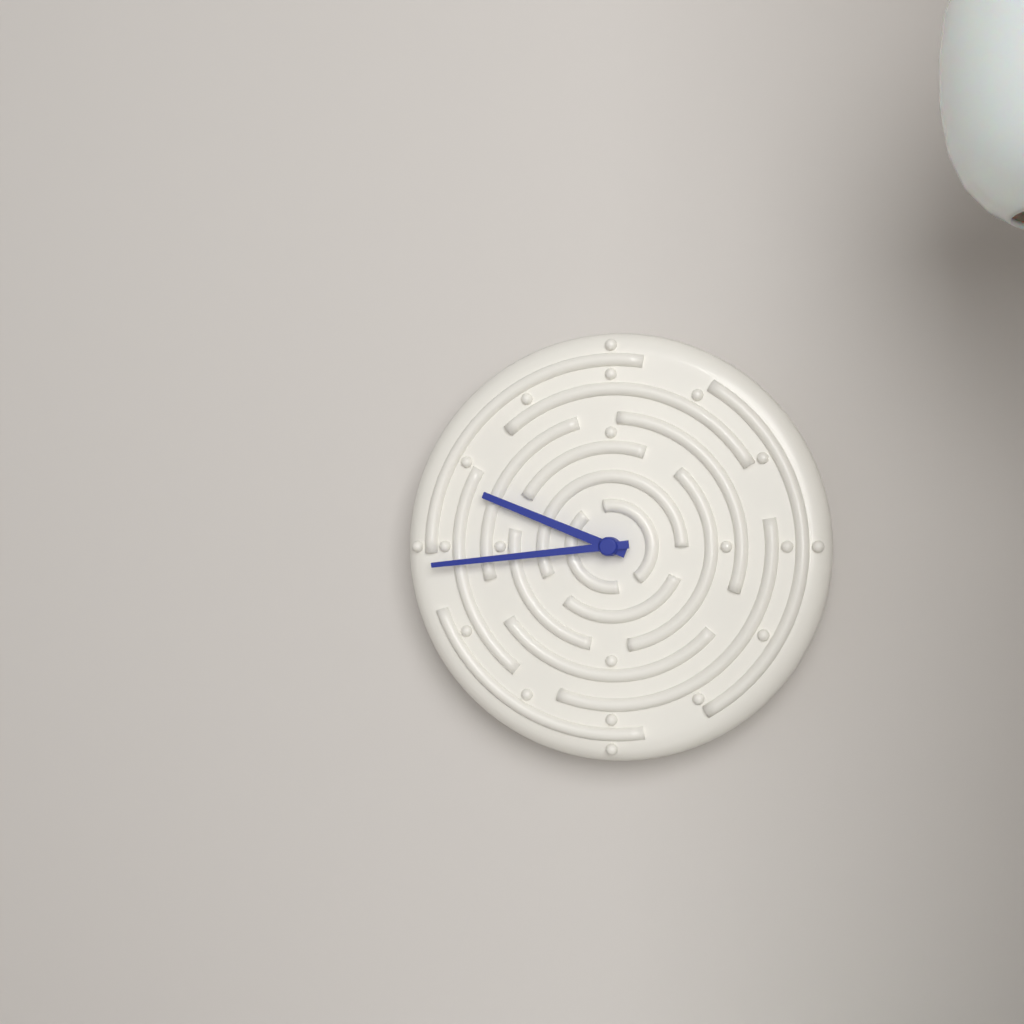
9:44
